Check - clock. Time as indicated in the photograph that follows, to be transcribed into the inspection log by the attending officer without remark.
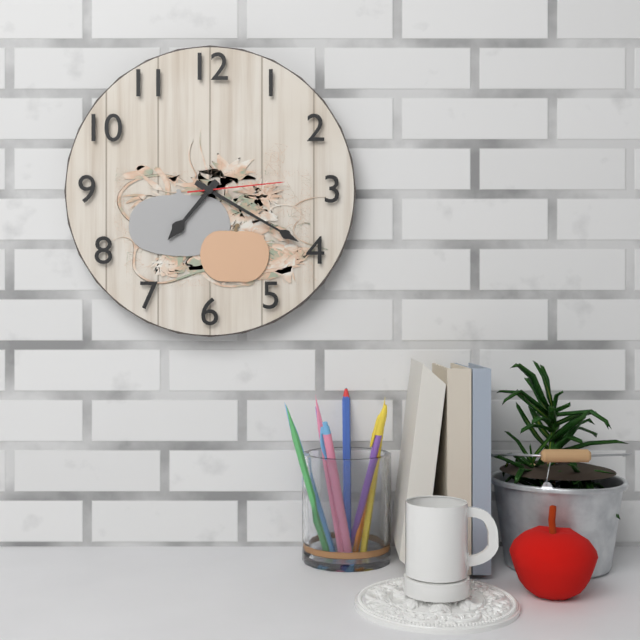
7:20:14
